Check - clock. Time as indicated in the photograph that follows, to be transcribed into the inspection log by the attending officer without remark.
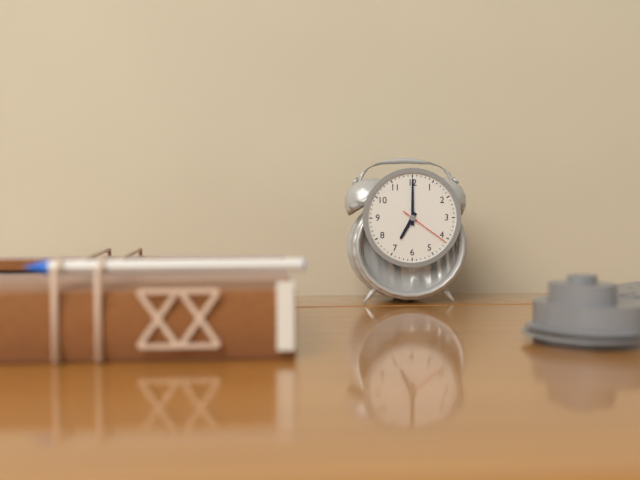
7:00:21
